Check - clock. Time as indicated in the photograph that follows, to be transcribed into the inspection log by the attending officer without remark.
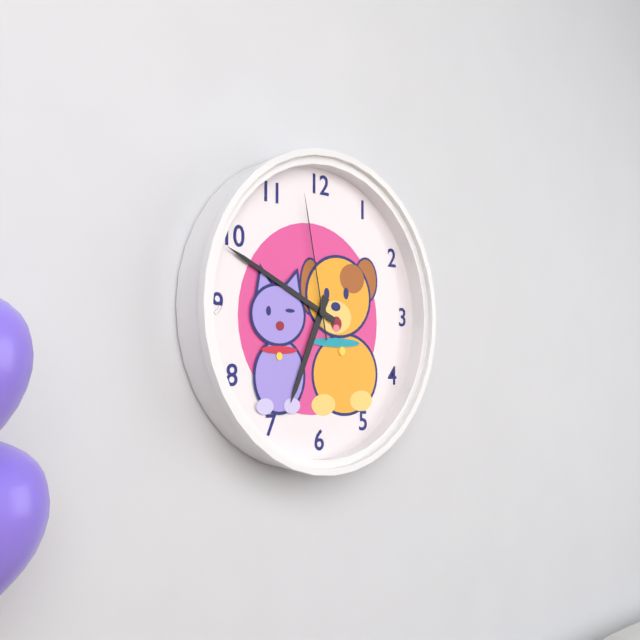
6:49:58
